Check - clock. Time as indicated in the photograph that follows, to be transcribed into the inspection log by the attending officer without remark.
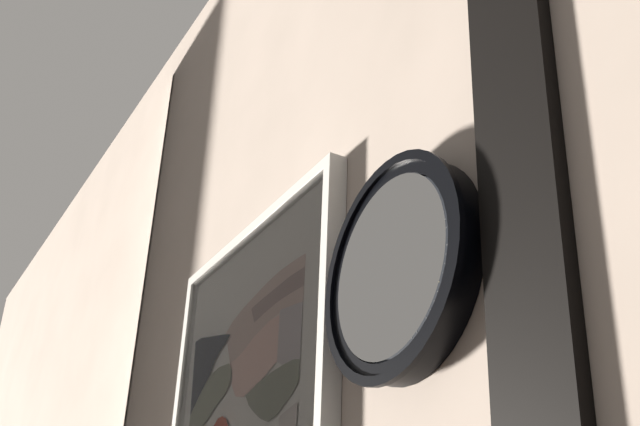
1:53:32
